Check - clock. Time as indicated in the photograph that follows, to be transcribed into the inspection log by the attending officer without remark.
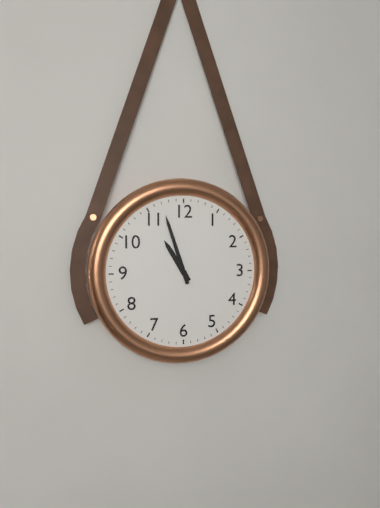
10:57
